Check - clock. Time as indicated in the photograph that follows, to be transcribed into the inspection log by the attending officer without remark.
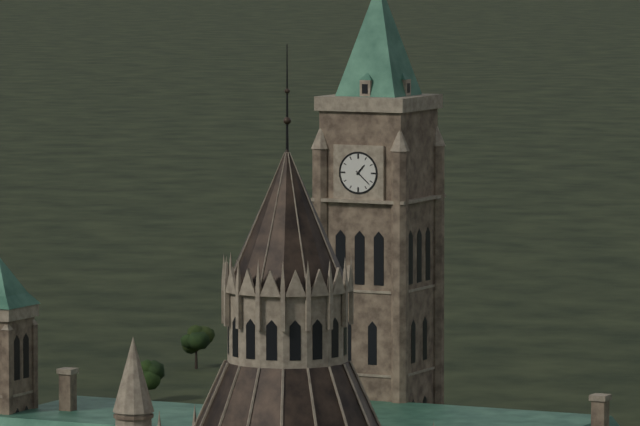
1:22
